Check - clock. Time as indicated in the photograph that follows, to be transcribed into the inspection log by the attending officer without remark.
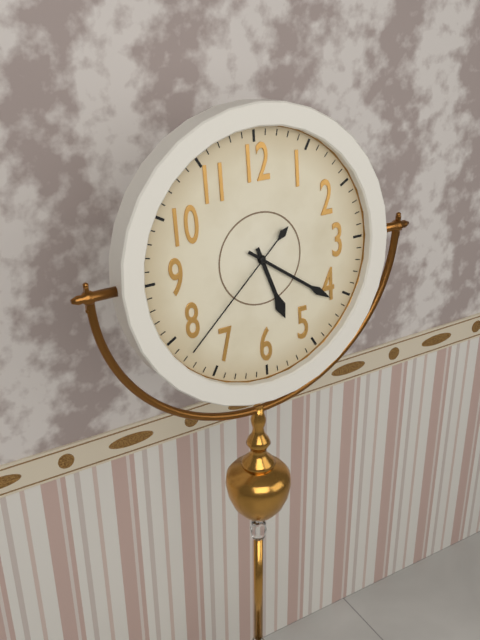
5:21:38
